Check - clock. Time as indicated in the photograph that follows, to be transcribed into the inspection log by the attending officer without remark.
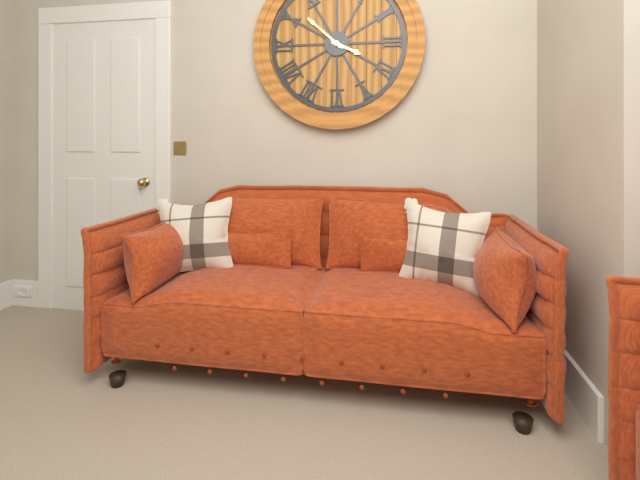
3:52
